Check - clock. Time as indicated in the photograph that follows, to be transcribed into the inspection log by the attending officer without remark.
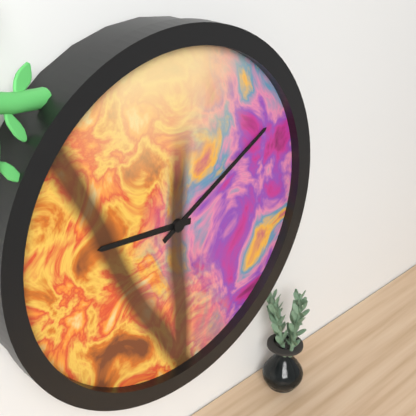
9:10
